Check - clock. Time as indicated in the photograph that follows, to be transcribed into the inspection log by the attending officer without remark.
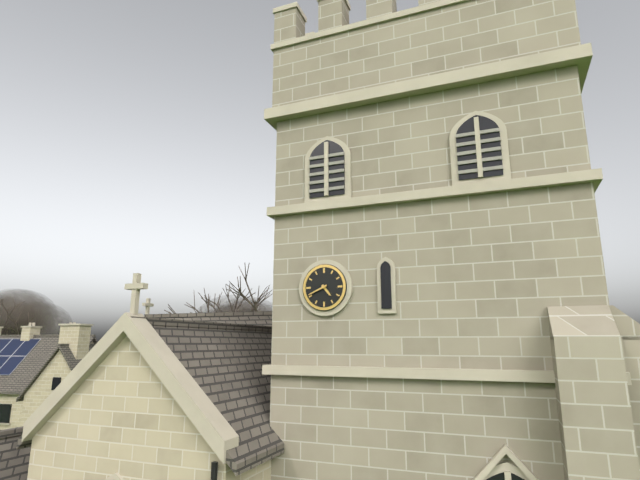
4:41
